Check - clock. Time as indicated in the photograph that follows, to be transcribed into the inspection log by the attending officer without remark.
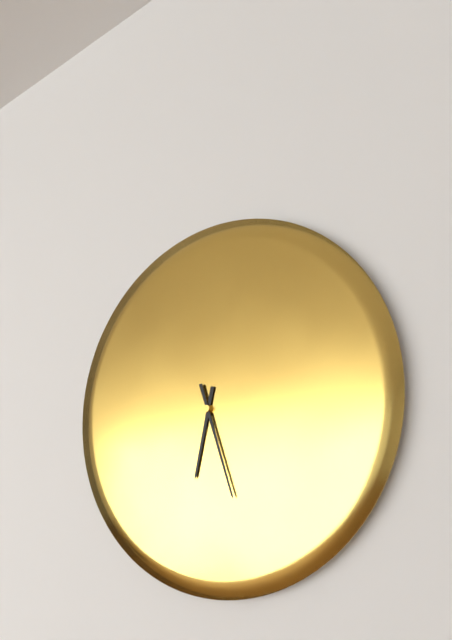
6:27
